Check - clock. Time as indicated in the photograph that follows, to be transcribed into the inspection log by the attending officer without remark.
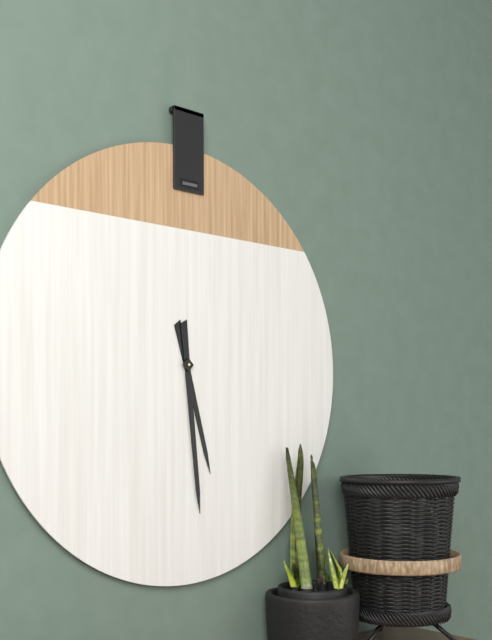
5:29
